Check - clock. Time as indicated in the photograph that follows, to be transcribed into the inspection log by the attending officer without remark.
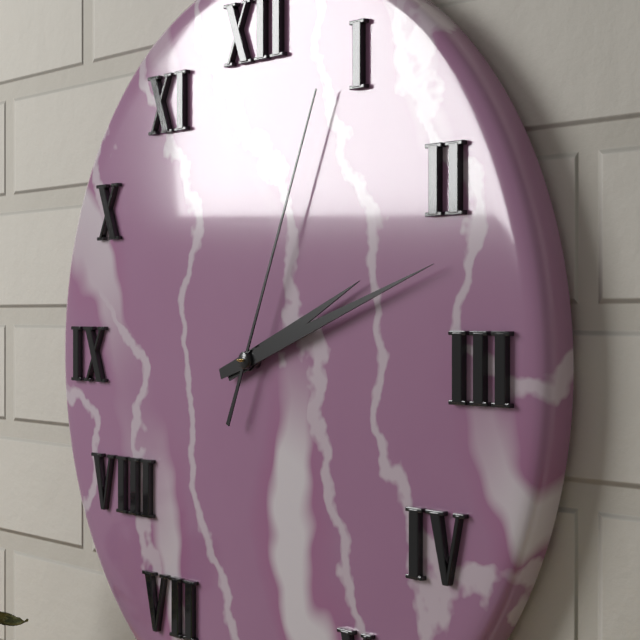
2:12:04
